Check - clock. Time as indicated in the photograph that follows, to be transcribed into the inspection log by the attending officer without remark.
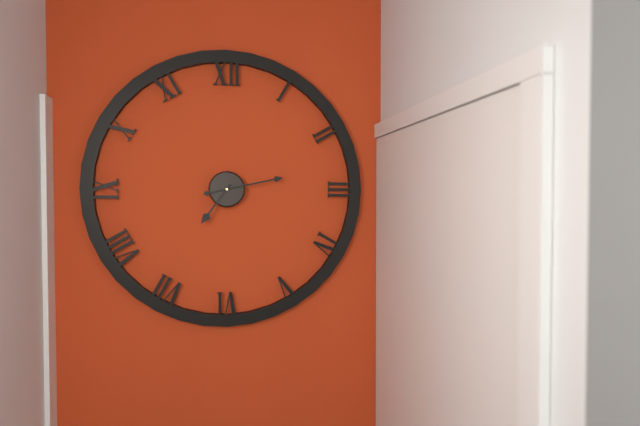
7:13
